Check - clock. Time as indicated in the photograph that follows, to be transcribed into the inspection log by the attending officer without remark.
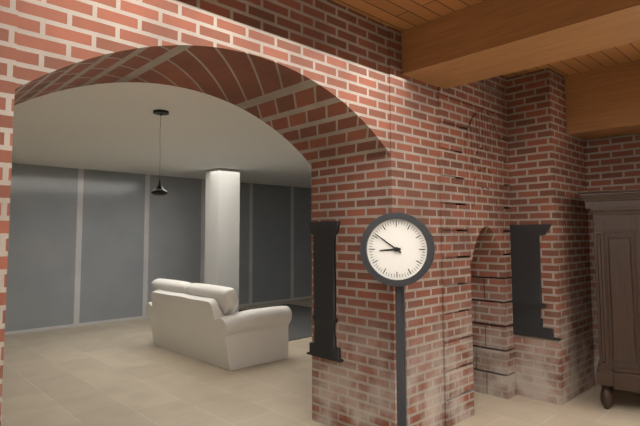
8:51
